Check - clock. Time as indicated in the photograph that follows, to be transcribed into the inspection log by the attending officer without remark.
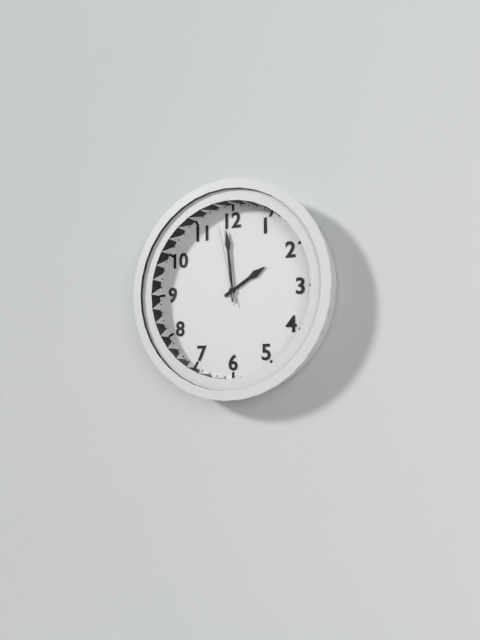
1:59:58
